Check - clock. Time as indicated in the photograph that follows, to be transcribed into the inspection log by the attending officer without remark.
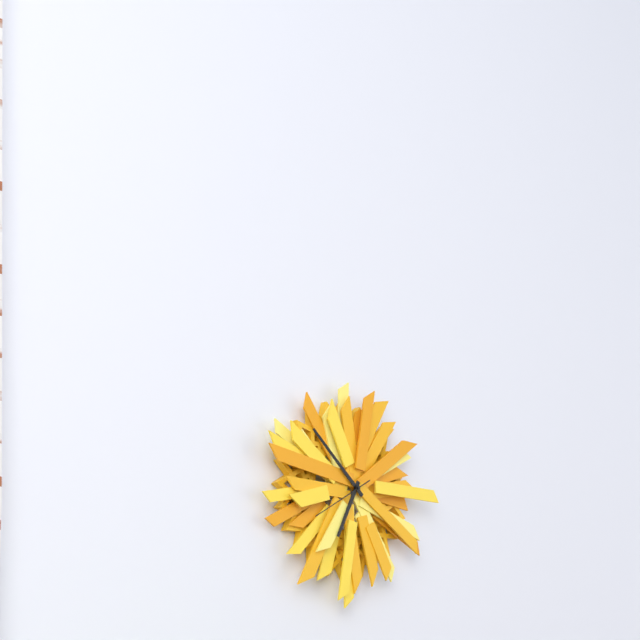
6:52:40
